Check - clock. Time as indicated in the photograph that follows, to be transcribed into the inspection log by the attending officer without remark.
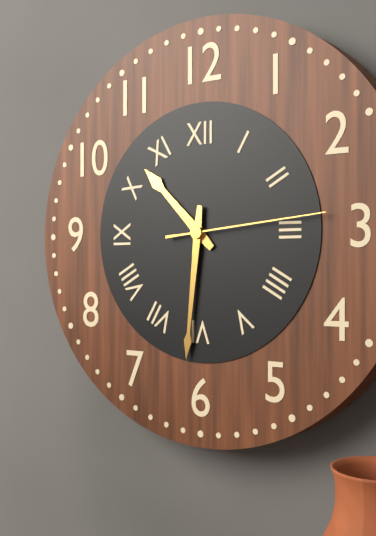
10:31:14
